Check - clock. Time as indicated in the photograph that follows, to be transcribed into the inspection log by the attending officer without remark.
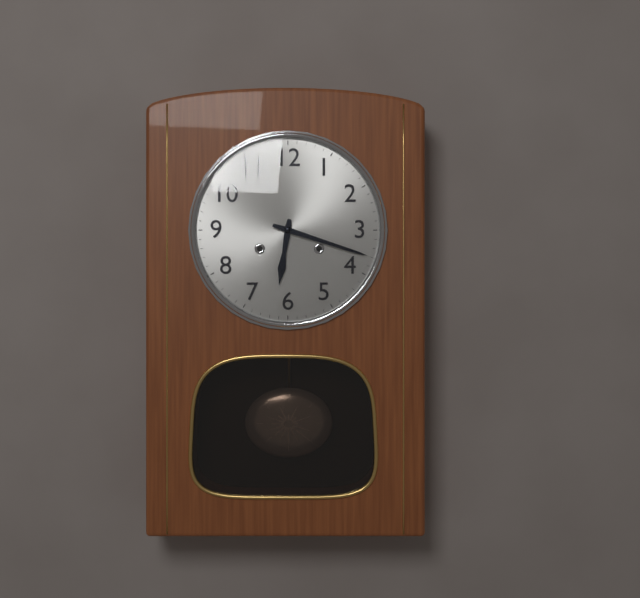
6:18
